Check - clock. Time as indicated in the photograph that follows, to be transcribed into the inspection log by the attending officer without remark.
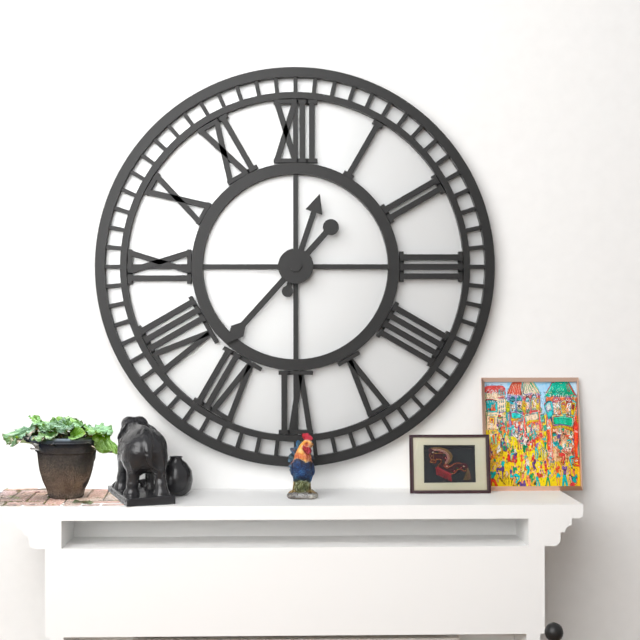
12:37
